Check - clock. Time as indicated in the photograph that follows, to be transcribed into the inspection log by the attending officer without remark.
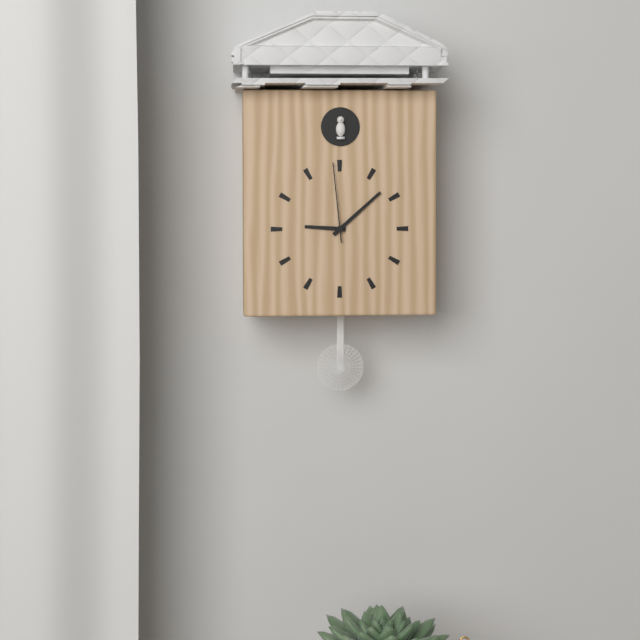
9:08:59
